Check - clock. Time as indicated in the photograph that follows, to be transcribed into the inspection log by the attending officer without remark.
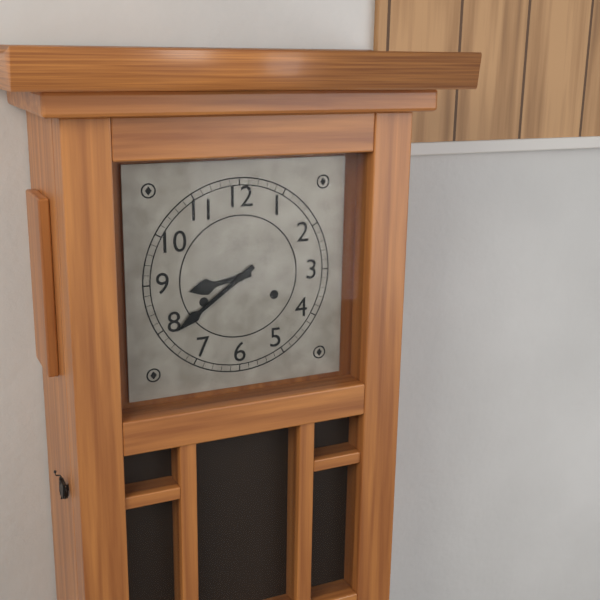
8:39
